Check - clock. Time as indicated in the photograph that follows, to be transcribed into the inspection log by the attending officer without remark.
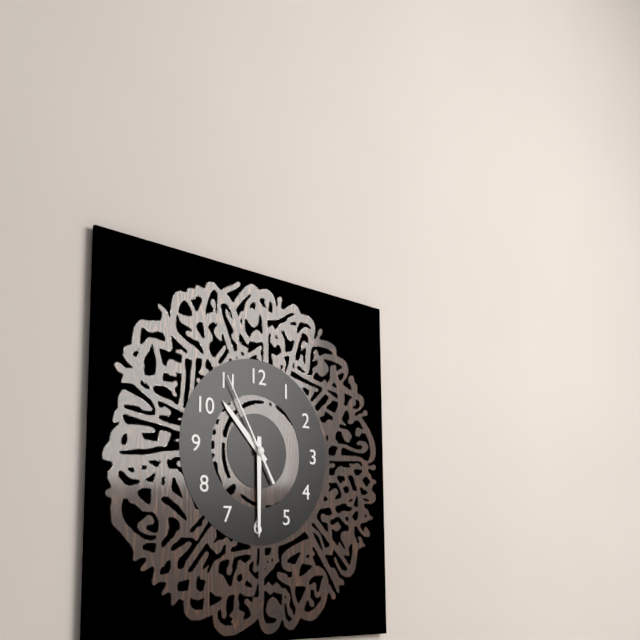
10:30:55
